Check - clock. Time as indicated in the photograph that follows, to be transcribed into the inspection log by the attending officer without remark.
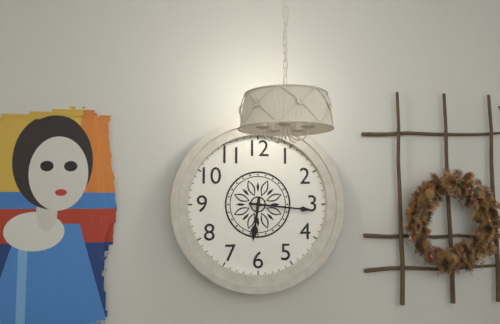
6:16
